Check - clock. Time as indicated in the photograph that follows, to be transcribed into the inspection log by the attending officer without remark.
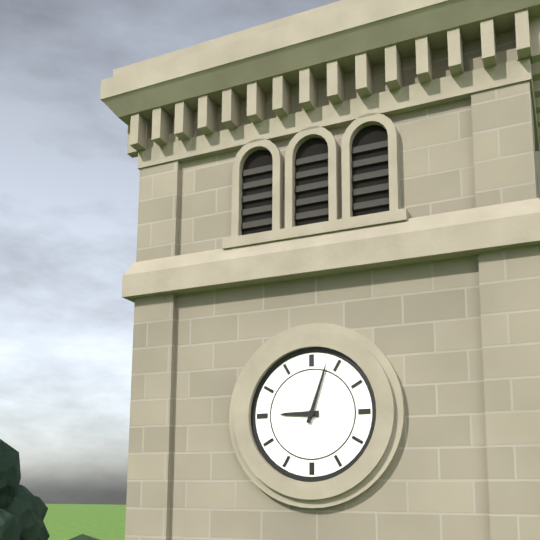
9:03
